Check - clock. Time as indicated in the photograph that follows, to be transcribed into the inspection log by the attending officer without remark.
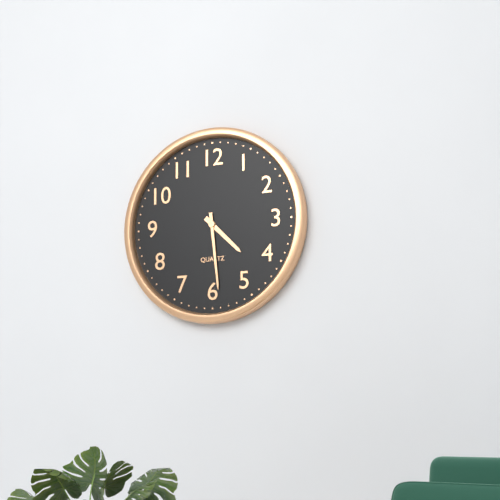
4:29
